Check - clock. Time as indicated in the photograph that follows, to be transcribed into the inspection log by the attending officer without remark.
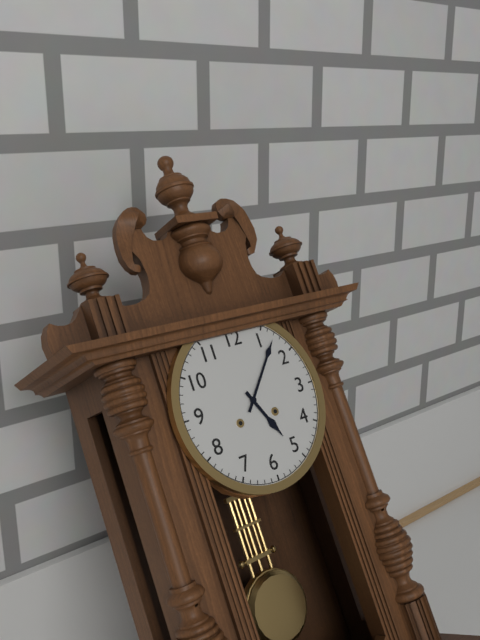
5:07
